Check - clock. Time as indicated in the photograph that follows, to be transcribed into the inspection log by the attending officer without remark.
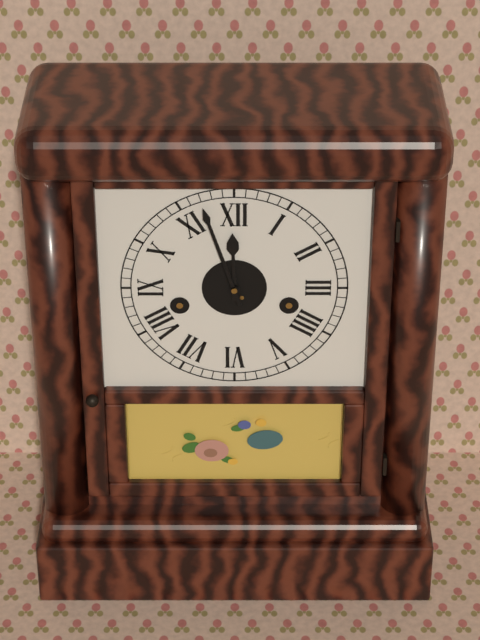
11:57
